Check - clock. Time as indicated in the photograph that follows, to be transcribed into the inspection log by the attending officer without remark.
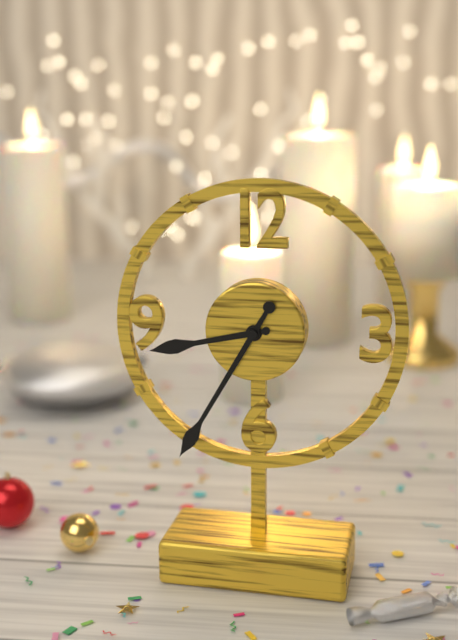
8:35
